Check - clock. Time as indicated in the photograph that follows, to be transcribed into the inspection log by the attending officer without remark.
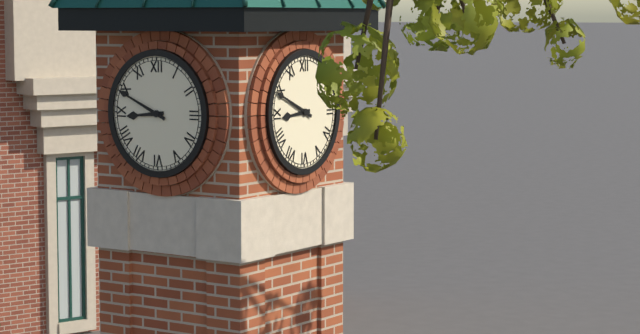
8:49
